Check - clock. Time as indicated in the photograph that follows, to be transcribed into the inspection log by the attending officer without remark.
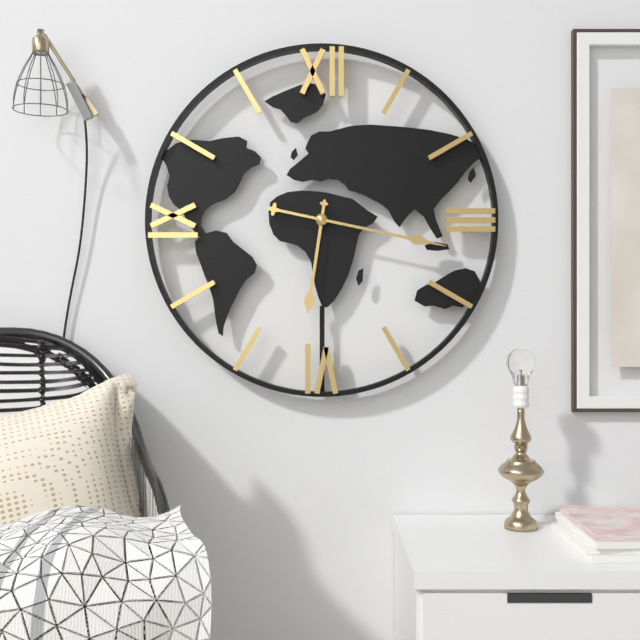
6:17
